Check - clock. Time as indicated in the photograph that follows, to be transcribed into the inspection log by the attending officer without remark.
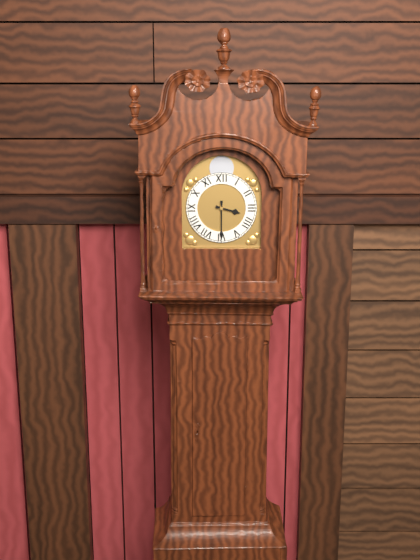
3:30
